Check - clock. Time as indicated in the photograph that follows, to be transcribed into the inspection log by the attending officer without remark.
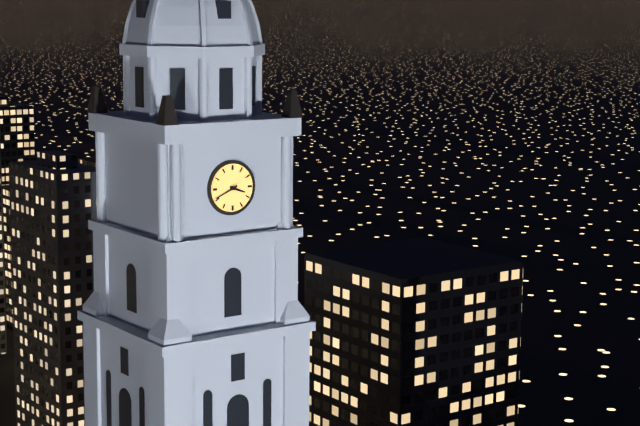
3:41
